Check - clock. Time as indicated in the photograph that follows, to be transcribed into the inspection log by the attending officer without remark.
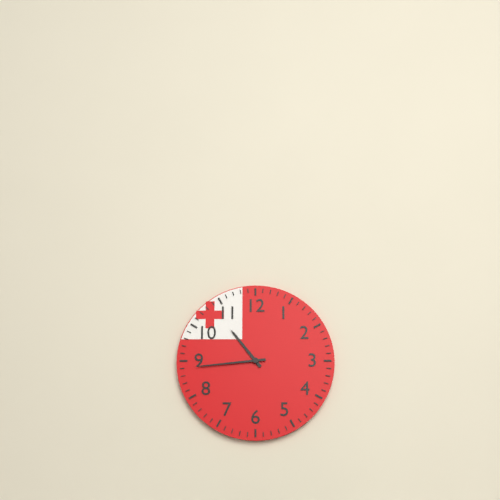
10:44
